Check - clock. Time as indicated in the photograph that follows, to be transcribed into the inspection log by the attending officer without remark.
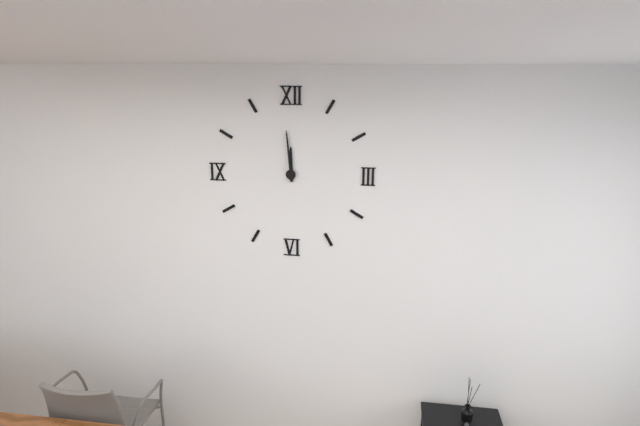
11:59
